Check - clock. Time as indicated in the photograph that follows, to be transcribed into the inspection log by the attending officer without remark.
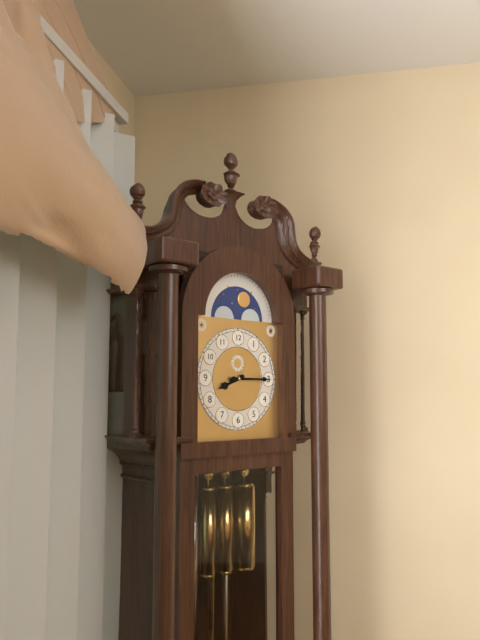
8:15
